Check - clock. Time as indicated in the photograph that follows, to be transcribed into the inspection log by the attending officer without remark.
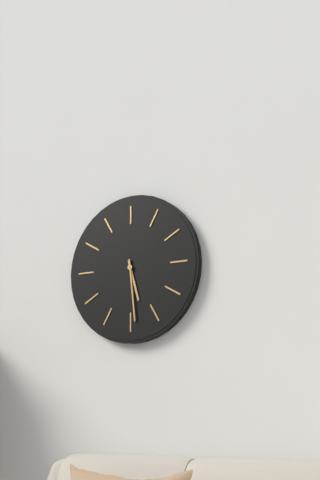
5:29
